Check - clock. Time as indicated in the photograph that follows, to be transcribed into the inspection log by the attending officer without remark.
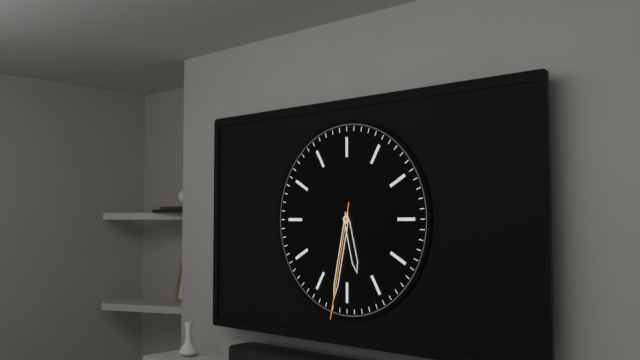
5:32:32
